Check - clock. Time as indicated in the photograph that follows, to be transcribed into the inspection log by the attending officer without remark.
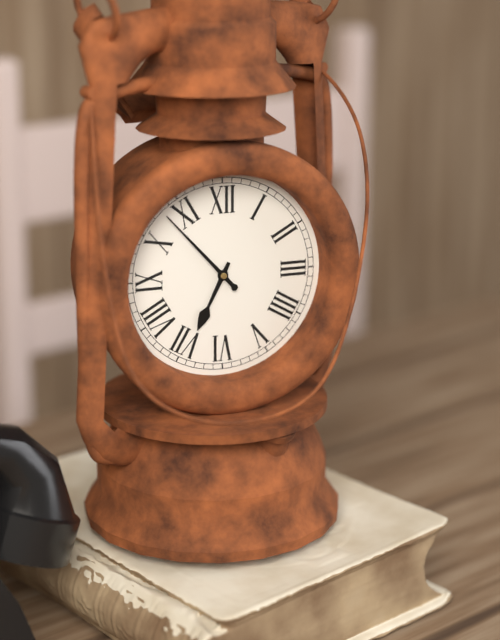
6:53
